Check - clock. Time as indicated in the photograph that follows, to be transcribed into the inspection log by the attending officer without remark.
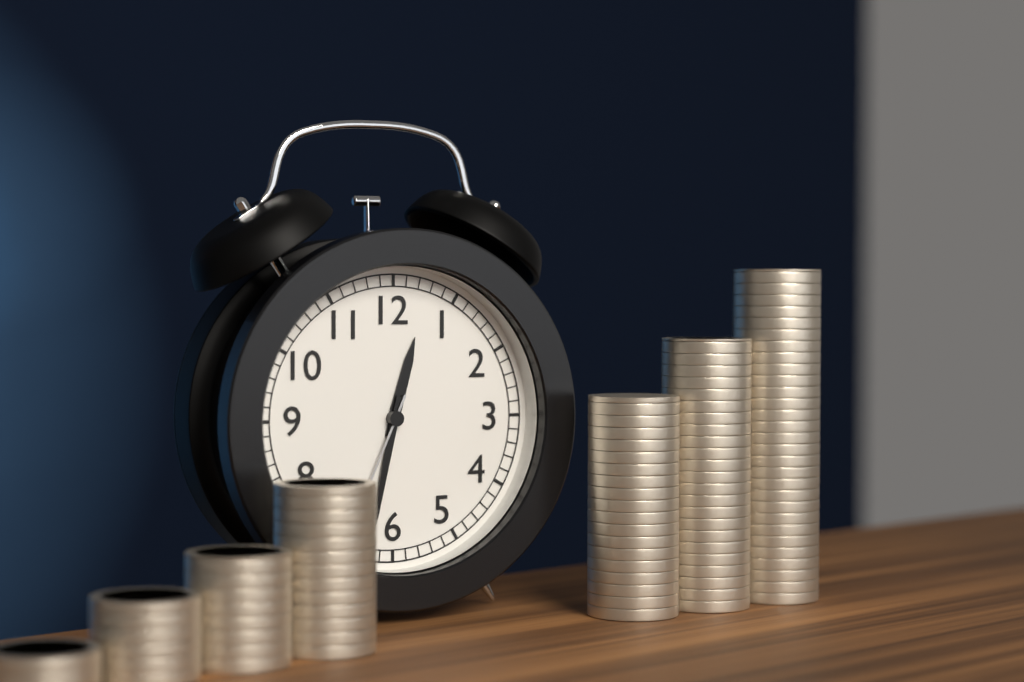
12:32:34
